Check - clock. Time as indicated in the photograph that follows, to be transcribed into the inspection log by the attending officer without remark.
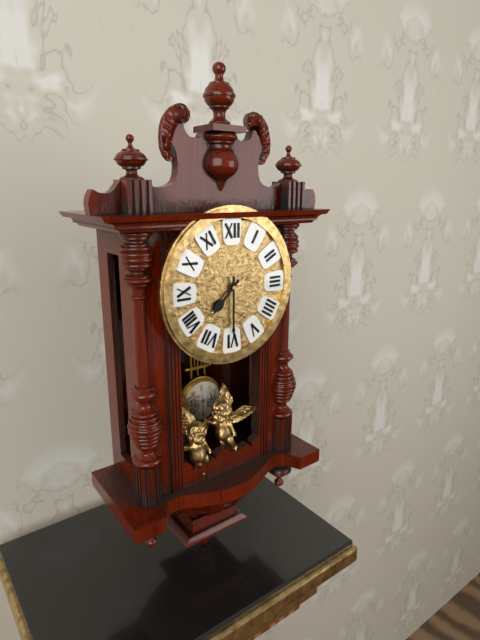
7:30
